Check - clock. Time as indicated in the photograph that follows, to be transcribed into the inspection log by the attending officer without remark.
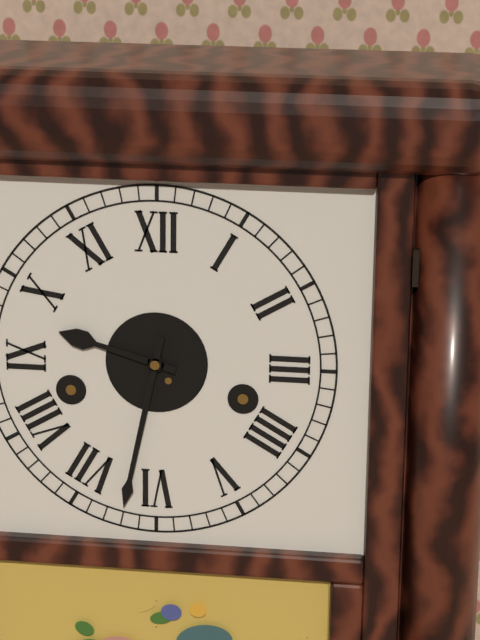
9:32
